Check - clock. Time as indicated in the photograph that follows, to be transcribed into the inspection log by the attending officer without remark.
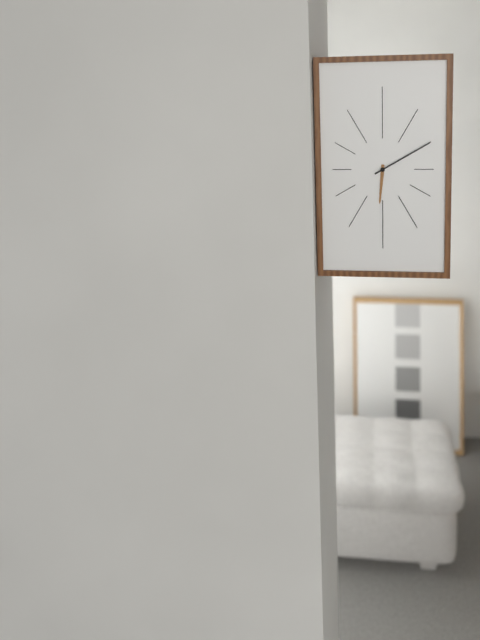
6:10
